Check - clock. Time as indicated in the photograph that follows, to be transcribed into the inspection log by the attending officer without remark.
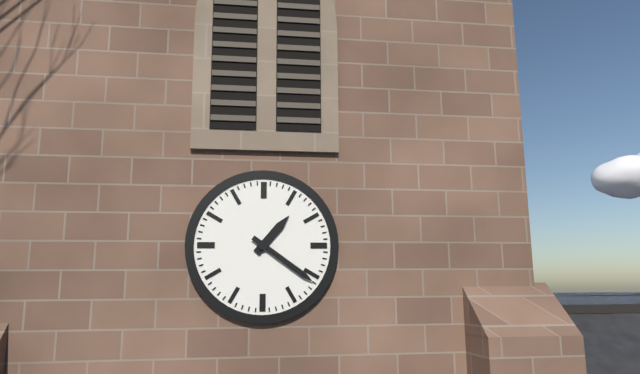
1:21
